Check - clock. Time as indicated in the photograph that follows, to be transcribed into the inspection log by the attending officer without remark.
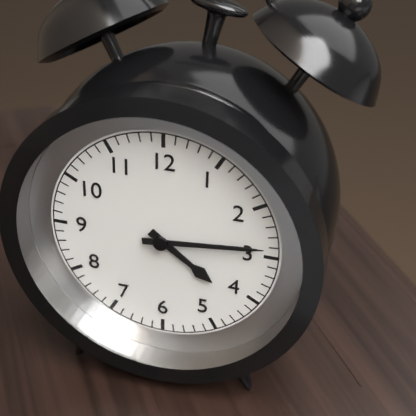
4:14
